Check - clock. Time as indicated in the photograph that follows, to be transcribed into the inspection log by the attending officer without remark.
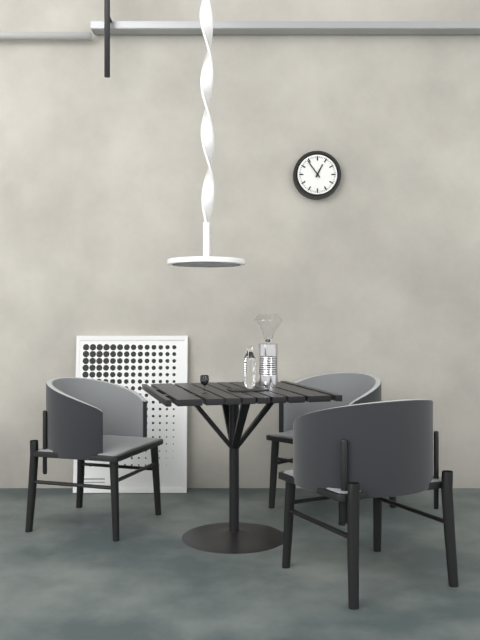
12:54
